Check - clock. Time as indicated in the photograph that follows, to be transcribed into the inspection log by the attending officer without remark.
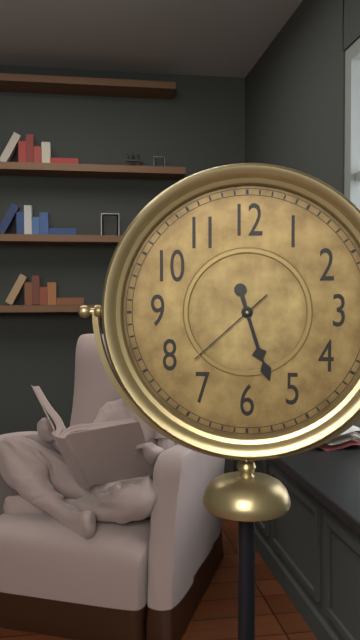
5:27:38
